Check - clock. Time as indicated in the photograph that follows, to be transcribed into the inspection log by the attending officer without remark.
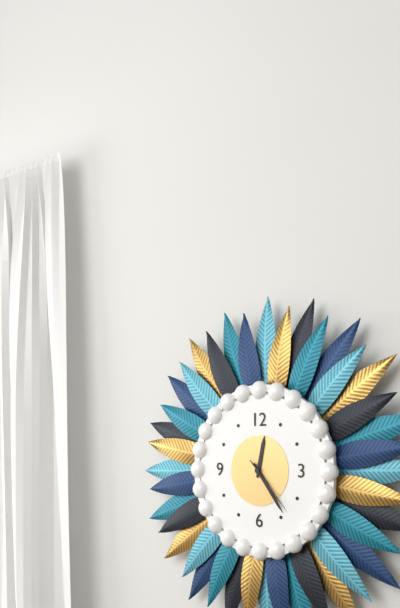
12:24:23
